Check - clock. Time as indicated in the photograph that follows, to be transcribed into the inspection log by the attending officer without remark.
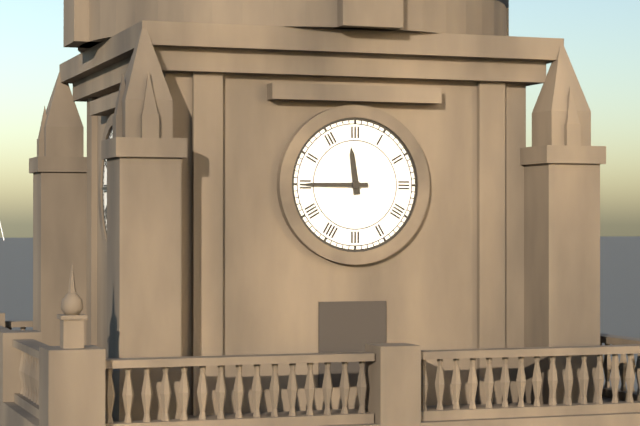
11:45
